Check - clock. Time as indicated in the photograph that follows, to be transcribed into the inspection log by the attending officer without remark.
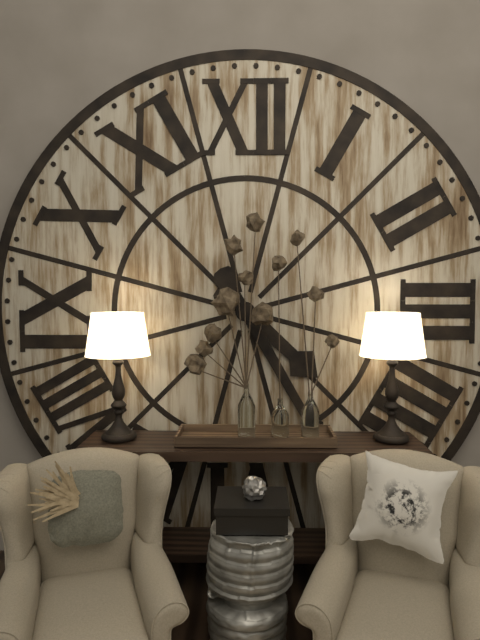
4:25
